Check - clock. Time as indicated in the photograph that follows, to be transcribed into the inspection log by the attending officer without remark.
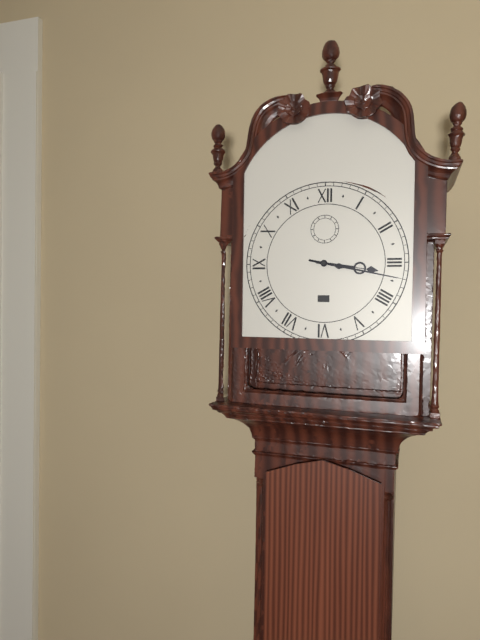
3:17
